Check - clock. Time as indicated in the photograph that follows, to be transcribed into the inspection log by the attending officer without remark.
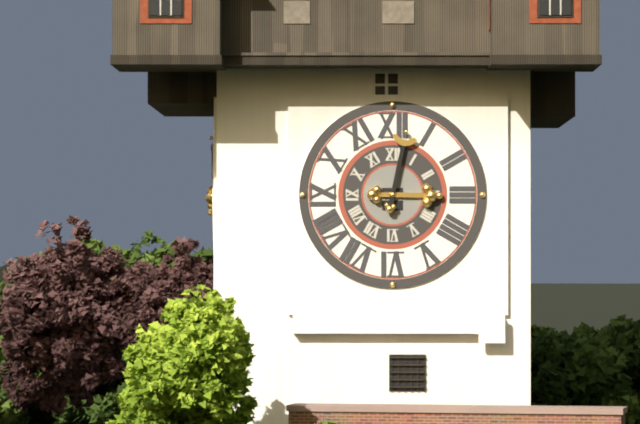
3:02
